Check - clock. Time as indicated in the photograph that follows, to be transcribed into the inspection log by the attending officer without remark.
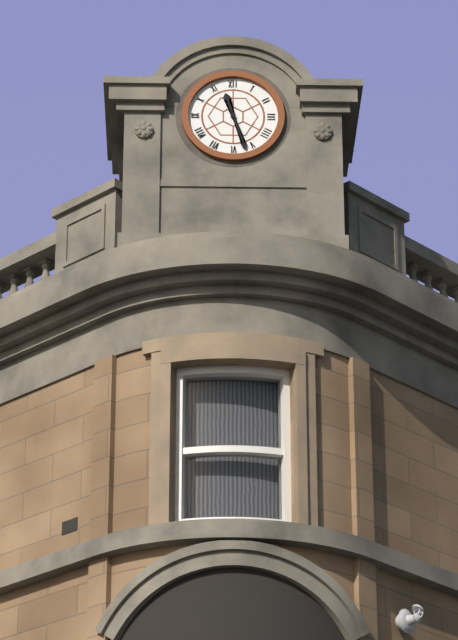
11:27
